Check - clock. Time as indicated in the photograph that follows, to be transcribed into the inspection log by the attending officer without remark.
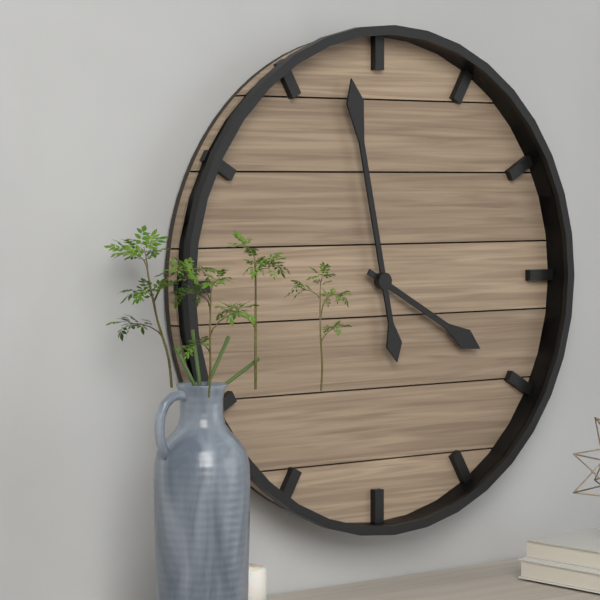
3:58
